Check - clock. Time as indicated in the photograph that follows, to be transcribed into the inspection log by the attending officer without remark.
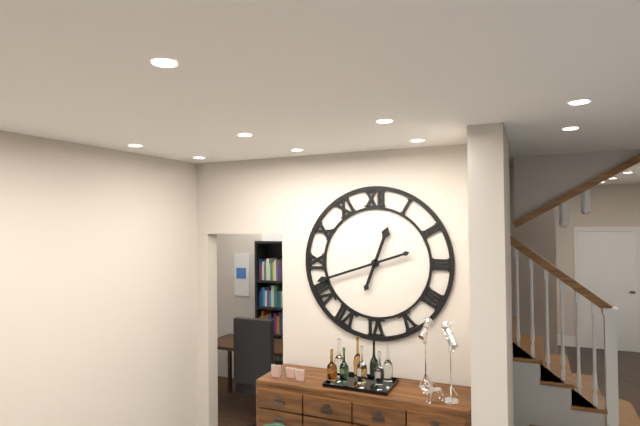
12:42
